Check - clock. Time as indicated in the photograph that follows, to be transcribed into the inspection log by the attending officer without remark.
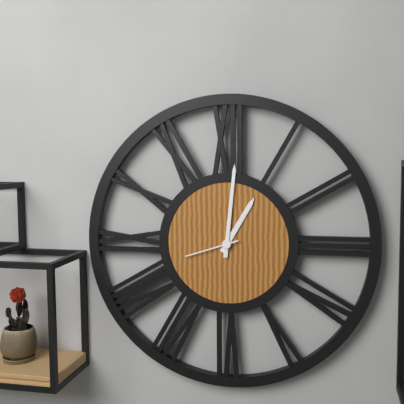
1:01:42
